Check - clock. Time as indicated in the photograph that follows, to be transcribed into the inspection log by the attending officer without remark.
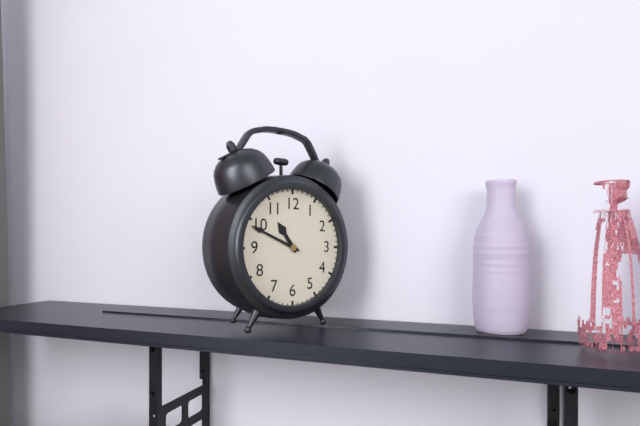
10:49
